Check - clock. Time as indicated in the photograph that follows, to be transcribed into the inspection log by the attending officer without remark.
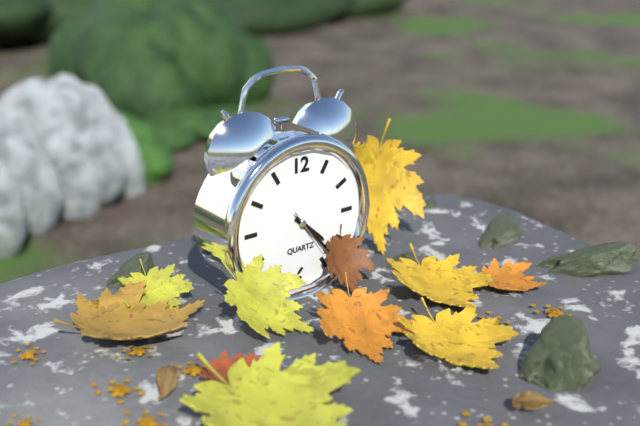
4:23
